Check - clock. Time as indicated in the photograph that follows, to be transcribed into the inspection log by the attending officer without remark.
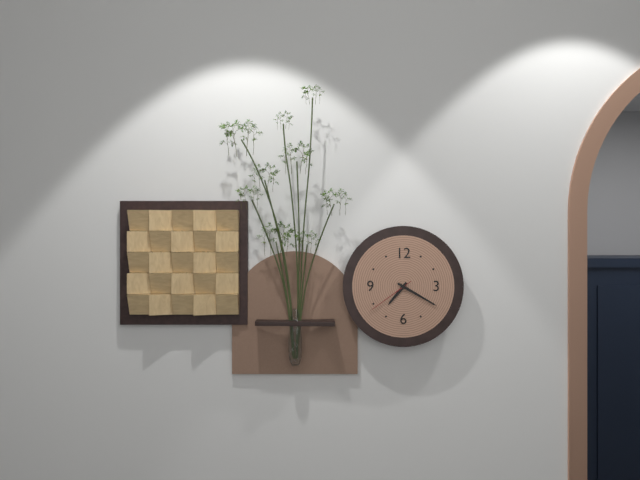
7:20:39
